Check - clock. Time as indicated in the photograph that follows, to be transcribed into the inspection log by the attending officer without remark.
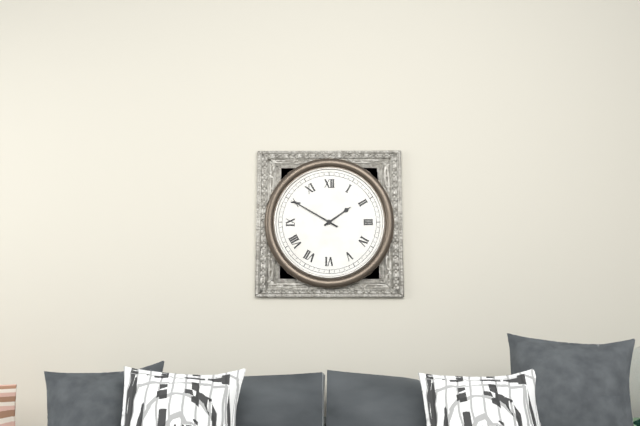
1:50
